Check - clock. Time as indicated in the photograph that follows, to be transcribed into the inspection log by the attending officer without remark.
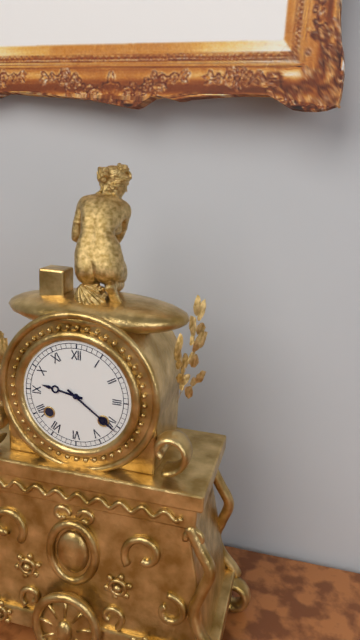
9:21
